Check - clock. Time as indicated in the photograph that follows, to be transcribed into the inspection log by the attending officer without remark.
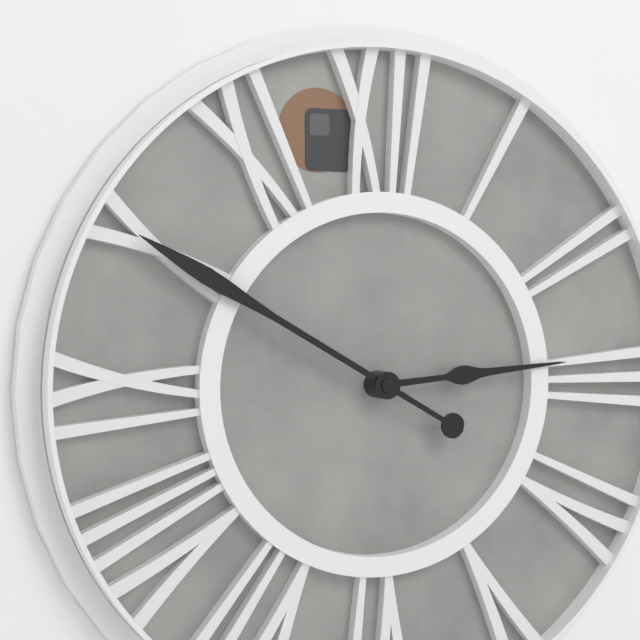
2:50
